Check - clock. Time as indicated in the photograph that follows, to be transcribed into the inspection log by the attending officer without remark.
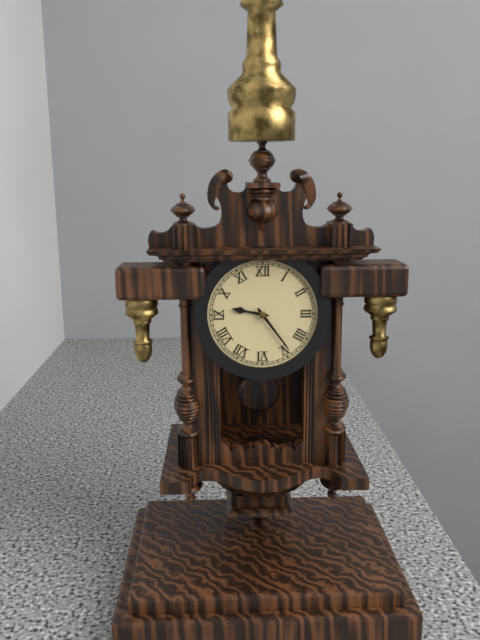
9:24
